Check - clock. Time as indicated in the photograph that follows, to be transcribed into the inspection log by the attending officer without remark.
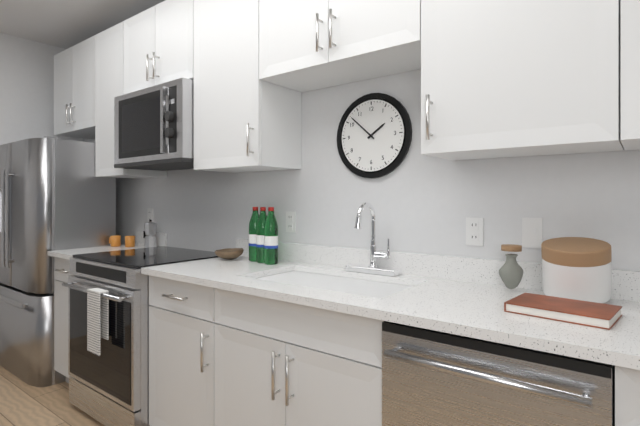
1:52
